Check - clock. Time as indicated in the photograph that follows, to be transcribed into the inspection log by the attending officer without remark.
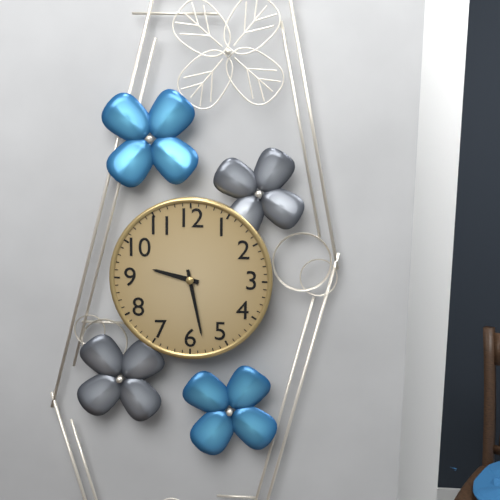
9:28
